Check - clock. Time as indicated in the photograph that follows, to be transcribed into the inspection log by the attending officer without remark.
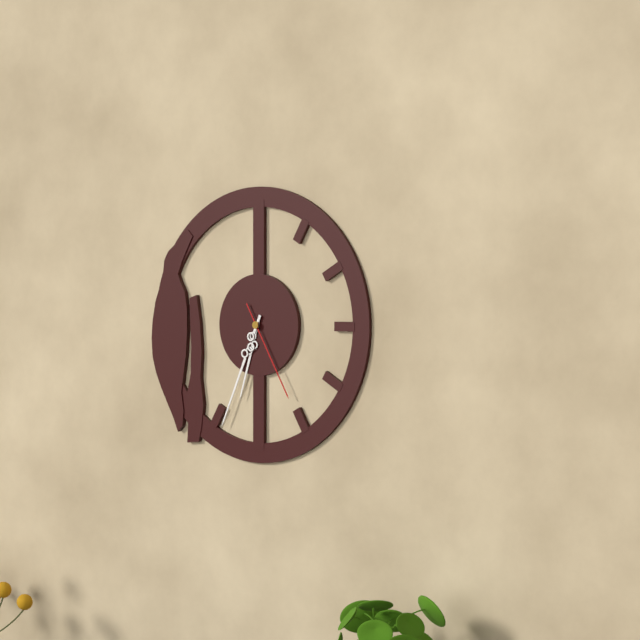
6:34:25
